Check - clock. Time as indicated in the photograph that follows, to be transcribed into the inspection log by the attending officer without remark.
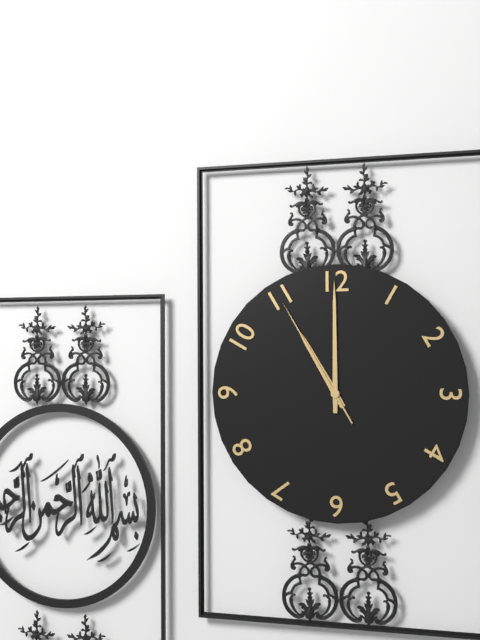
11:00:55
